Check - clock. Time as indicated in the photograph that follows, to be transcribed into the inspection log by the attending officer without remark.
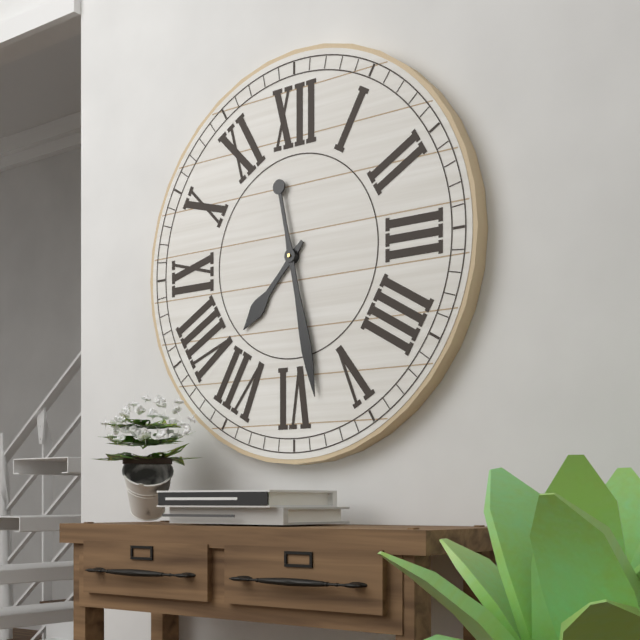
7:28
